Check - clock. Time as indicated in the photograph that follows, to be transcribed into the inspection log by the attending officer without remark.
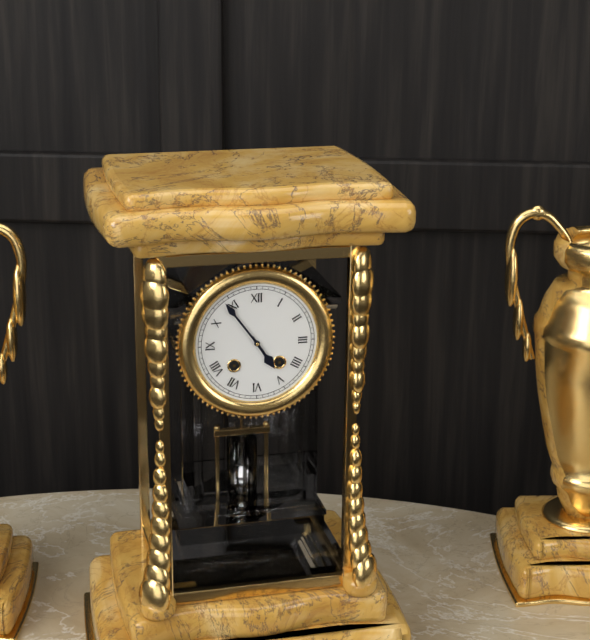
4:54
